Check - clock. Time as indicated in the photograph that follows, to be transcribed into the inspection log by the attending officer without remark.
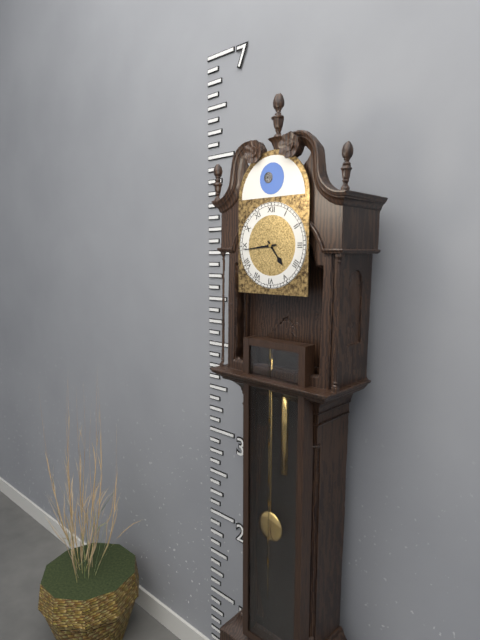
4:44
